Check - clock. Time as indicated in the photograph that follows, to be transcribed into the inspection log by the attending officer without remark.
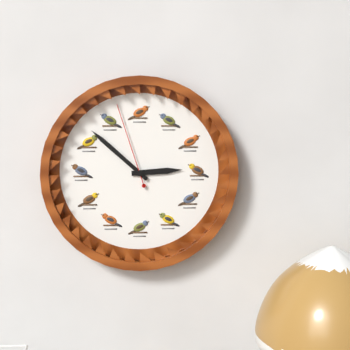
2:52:57
